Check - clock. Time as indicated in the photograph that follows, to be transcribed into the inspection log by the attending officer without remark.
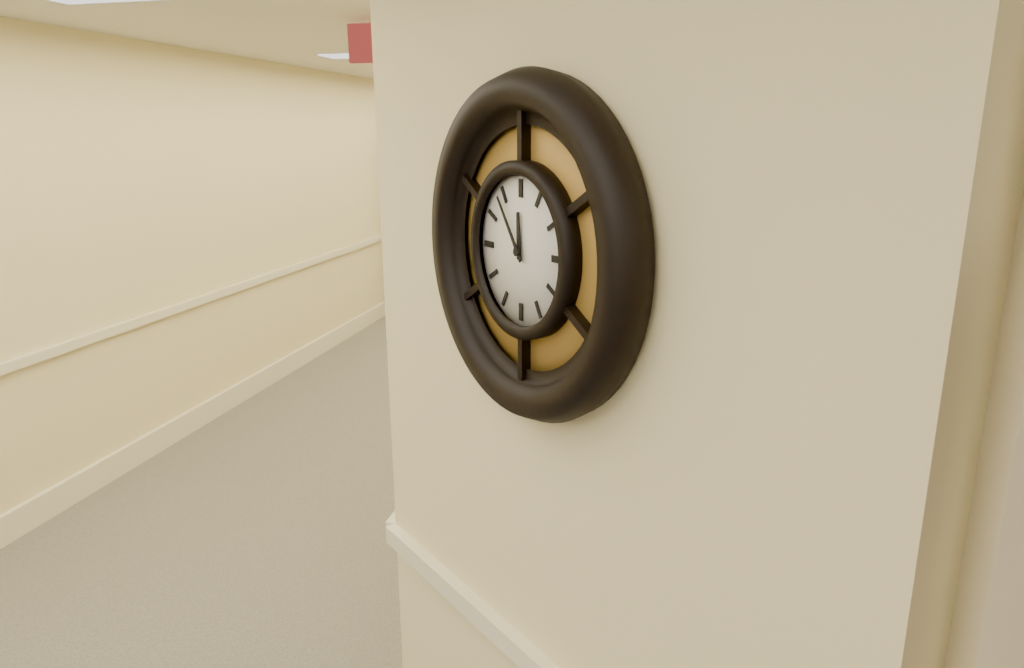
11:54
